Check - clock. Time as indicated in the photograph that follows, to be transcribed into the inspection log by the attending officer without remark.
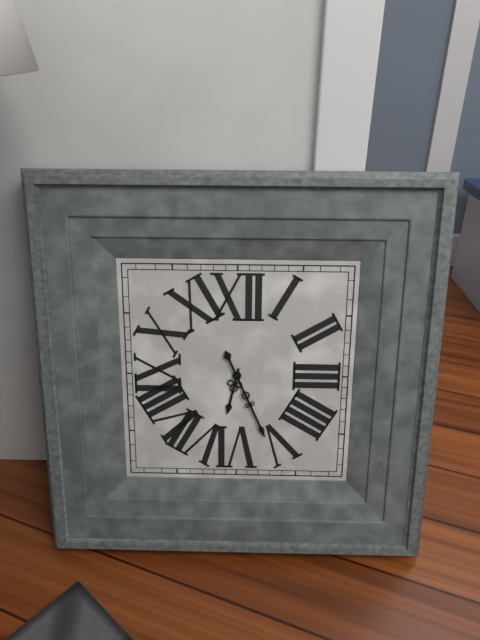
6:26
